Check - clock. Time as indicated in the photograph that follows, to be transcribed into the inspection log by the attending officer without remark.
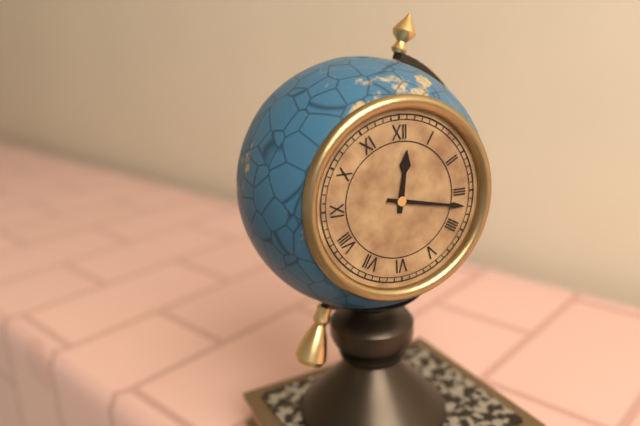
12:17
